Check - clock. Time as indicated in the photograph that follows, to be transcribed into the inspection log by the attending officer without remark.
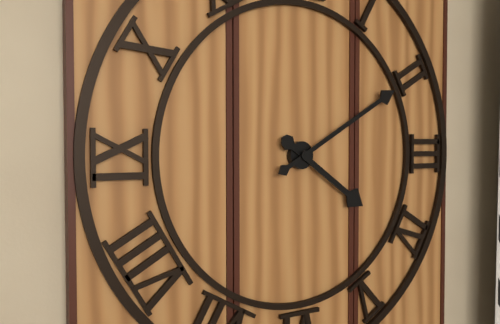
4:10
